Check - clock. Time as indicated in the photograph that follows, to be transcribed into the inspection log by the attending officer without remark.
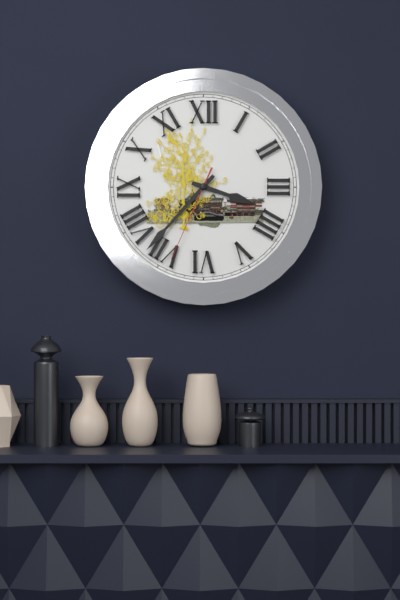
3:37:34
